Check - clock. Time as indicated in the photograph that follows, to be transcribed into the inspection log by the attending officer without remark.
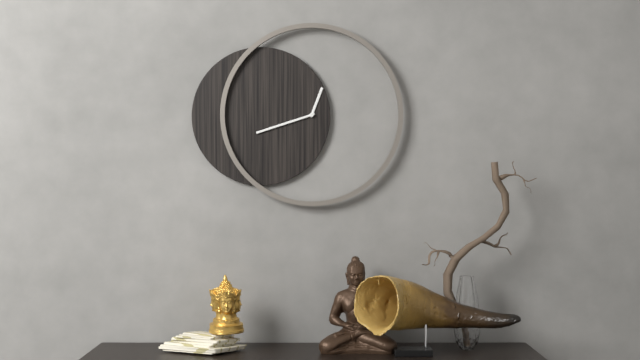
12:42
